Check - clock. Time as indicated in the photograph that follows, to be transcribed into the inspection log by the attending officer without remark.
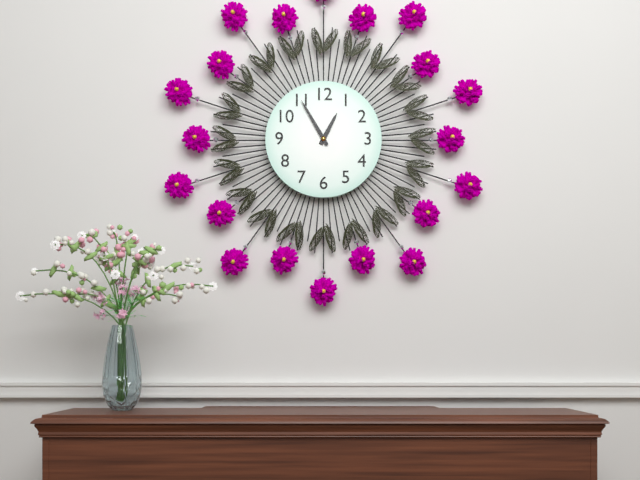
12:55
